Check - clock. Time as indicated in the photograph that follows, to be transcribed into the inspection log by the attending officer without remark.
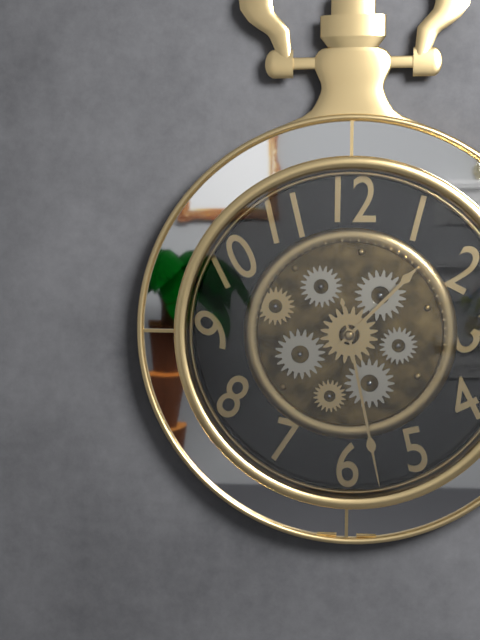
1:28
